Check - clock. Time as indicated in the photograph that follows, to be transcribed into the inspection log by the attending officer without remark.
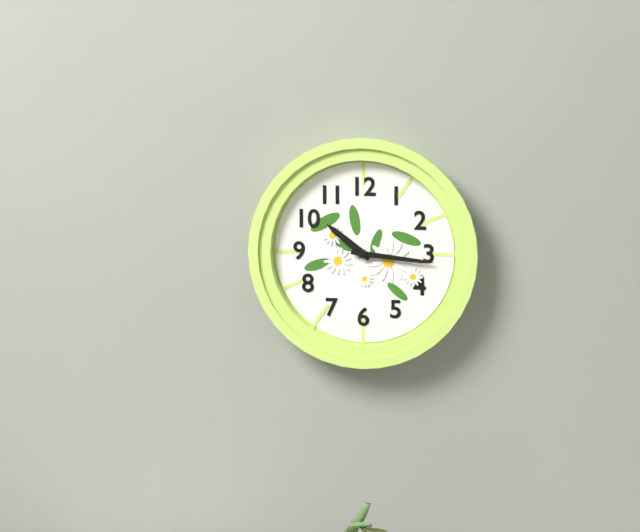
10:16
